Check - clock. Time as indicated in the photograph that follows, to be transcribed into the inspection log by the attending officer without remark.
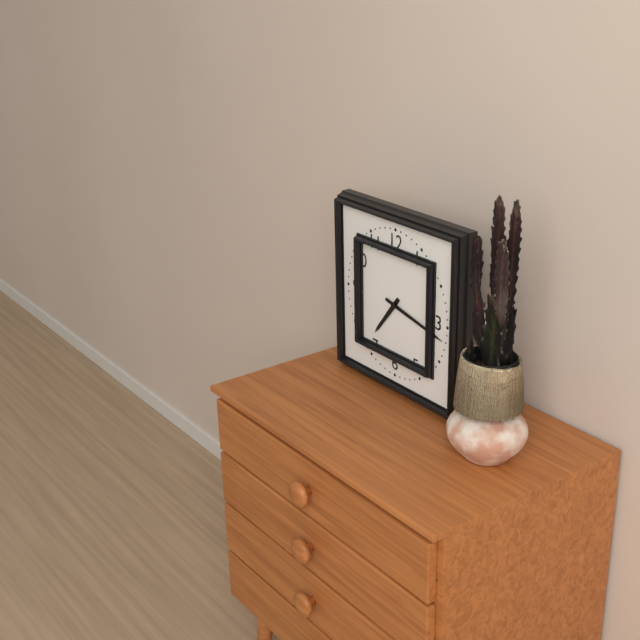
7:17
